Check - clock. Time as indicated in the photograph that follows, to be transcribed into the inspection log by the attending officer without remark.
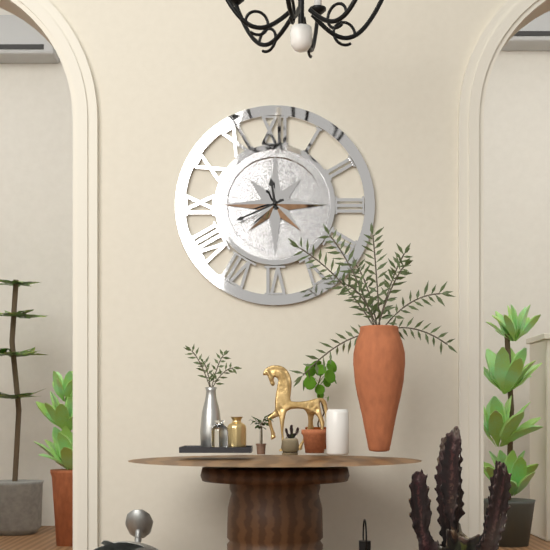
11:41
